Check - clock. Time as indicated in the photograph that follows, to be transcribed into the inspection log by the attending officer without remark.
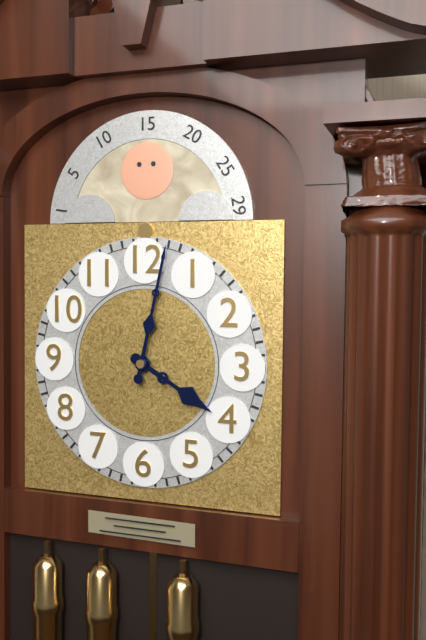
4:02
